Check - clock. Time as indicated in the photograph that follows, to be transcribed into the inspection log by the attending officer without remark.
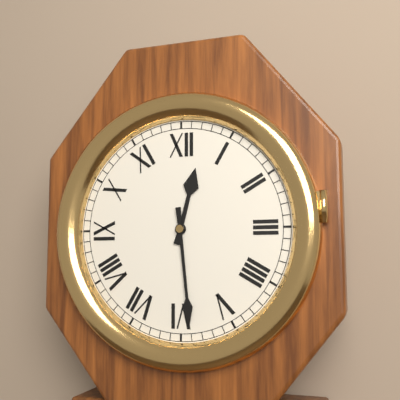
12:29
